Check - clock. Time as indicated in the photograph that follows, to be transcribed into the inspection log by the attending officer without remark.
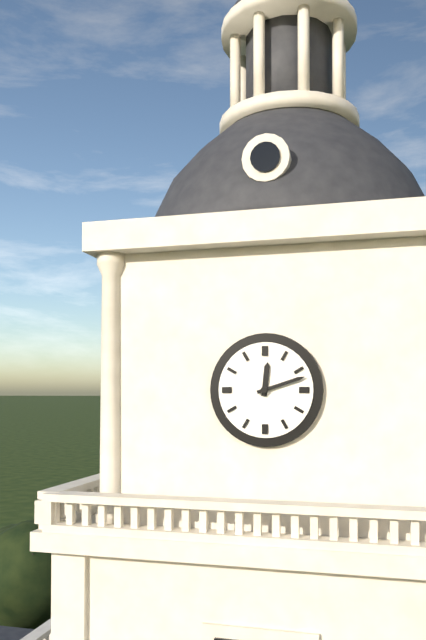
12:12
